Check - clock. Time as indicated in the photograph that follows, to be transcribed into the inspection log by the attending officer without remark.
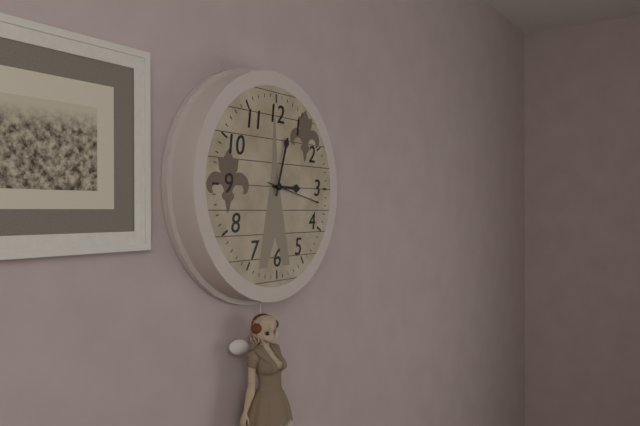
3:03:17
